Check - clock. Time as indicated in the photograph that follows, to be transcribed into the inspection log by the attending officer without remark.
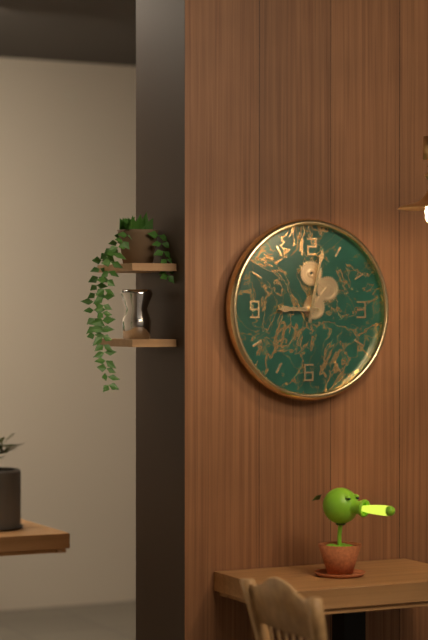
9:02
